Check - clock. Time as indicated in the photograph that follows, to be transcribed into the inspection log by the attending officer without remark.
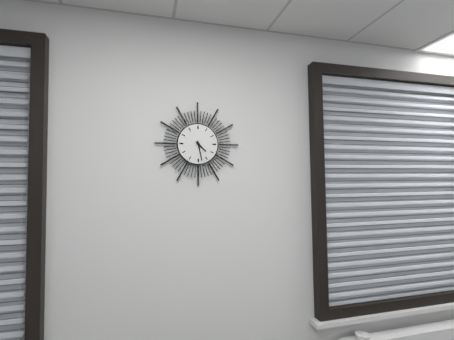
4:28
